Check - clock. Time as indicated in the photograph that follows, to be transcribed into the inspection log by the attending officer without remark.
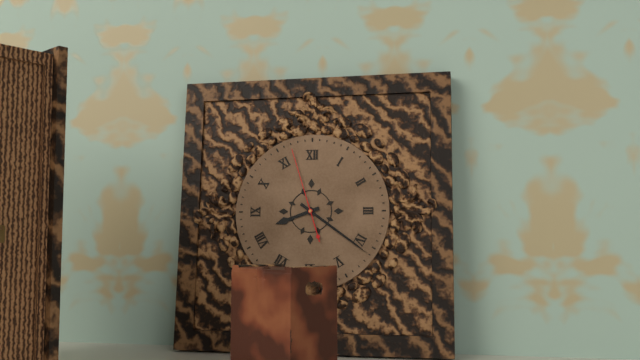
8:21:57
